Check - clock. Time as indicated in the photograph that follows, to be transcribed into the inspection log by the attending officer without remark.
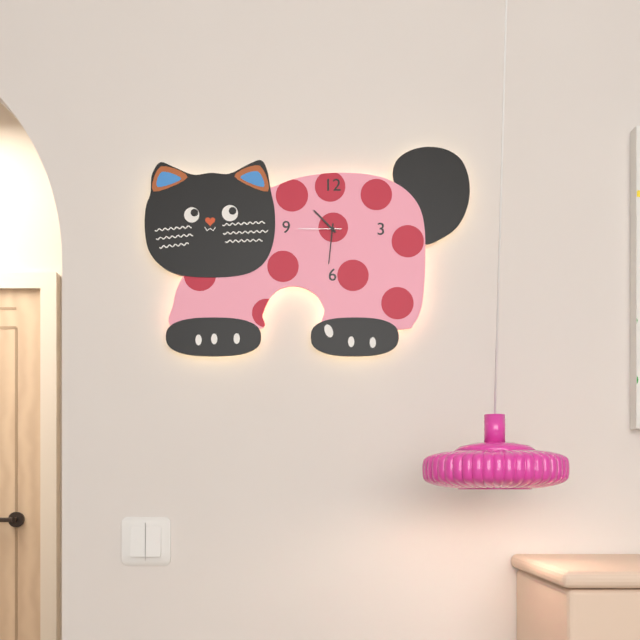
10:31
